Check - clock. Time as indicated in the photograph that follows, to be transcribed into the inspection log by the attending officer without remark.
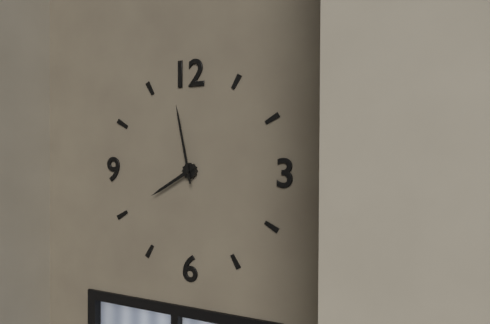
7:58
